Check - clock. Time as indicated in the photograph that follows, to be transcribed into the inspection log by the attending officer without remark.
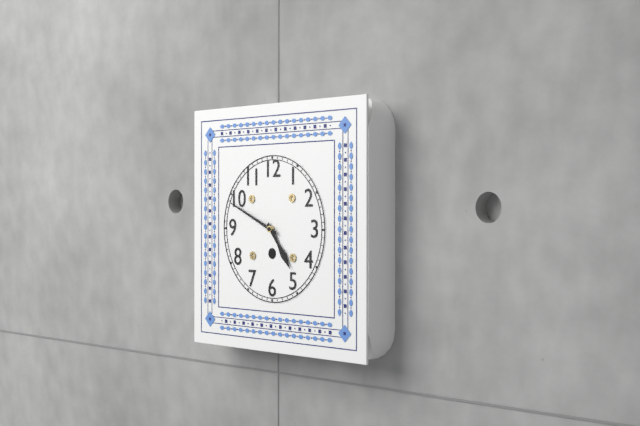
4:49
